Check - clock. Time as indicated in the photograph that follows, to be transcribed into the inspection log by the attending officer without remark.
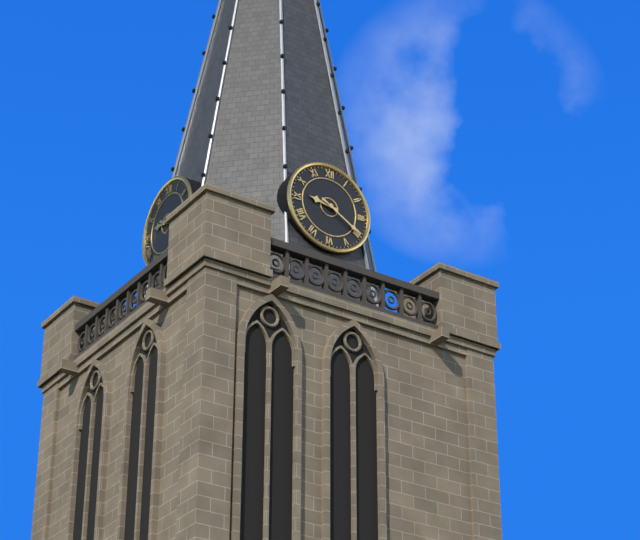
9:20
